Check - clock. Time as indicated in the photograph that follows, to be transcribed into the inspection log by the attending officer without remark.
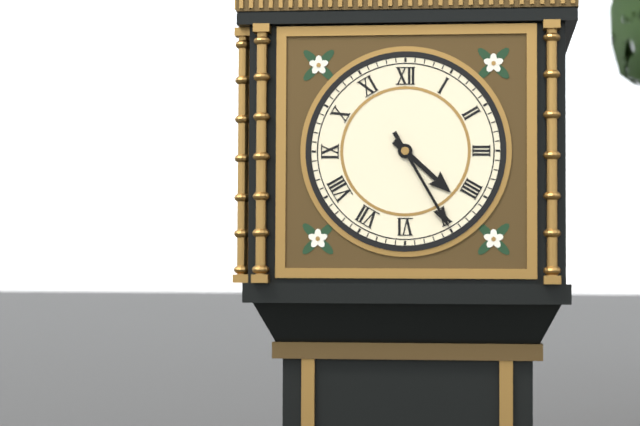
4:25
